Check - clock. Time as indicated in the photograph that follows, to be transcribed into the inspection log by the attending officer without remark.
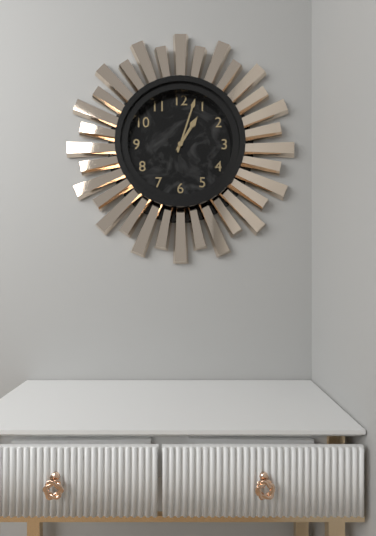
1:03
